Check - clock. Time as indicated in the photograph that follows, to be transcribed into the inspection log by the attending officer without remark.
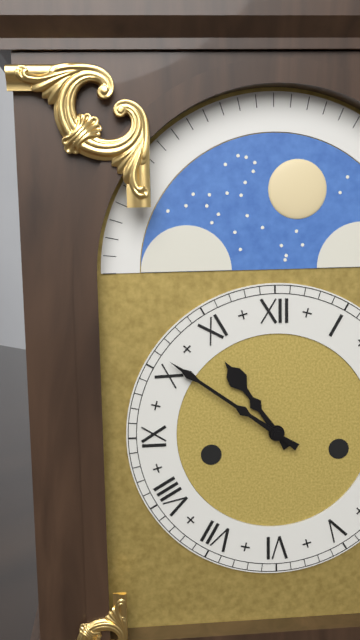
10:51
